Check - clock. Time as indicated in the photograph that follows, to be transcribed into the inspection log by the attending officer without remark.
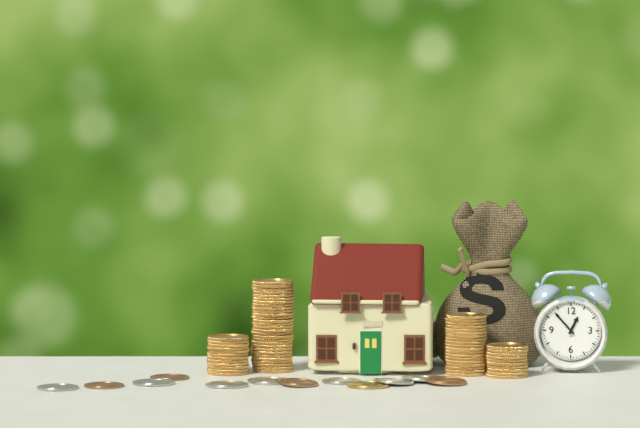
12:53
